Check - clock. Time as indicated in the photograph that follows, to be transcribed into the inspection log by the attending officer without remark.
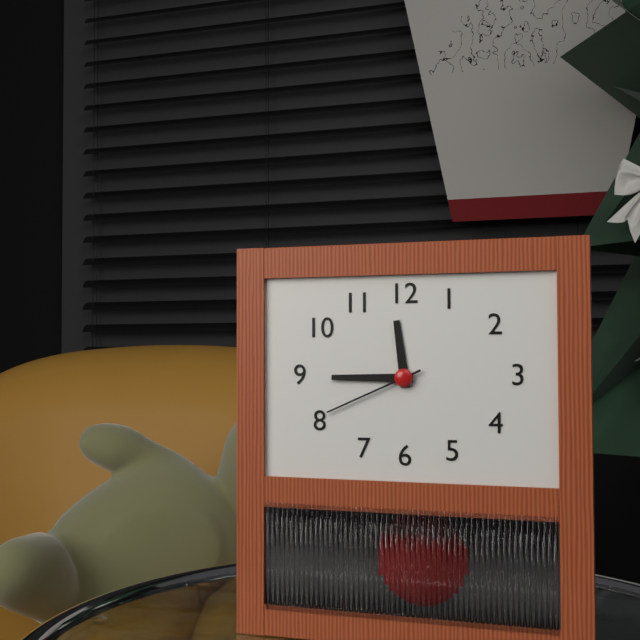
11:45:41
